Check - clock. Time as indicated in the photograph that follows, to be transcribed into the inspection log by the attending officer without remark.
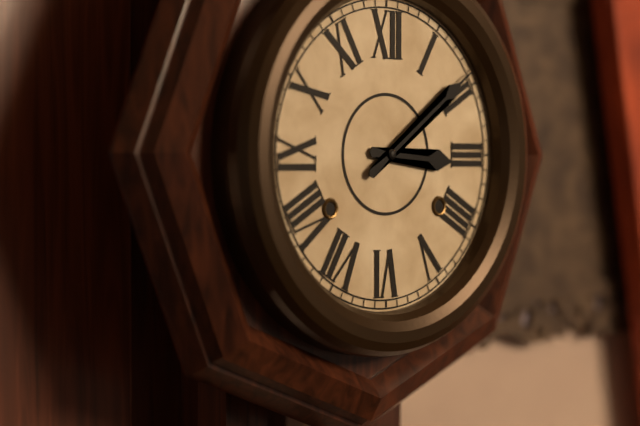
3:09
